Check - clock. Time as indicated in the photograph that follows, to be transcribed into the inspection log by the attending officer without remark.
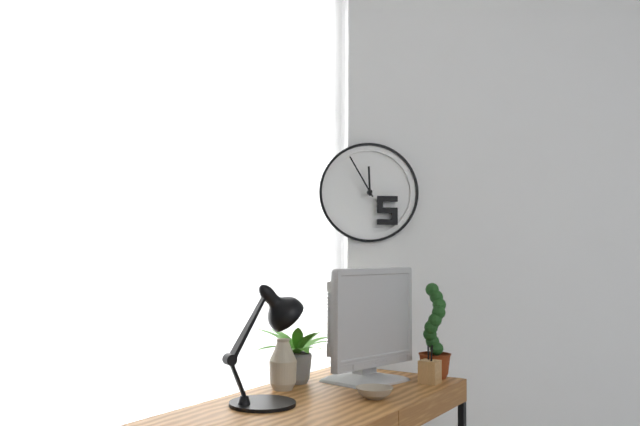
11:55
